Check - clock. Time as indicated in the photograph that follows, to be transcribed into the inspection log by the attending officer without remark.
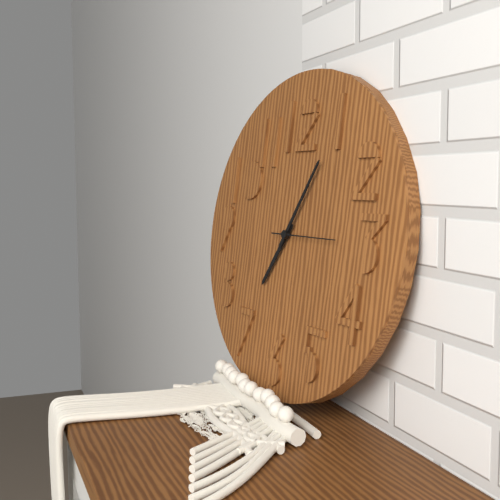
7:05:15
